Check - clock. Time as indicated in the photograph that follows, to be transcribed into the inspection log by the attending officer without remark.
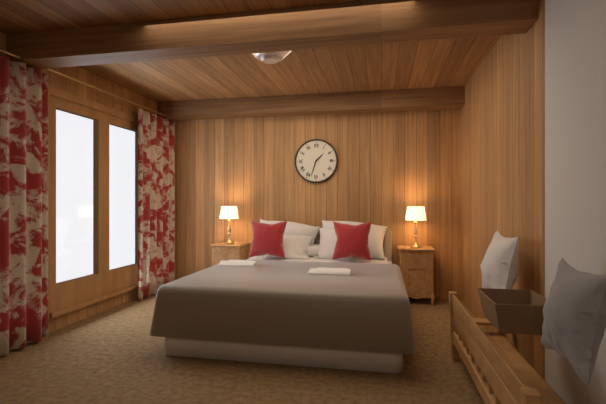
1:33
